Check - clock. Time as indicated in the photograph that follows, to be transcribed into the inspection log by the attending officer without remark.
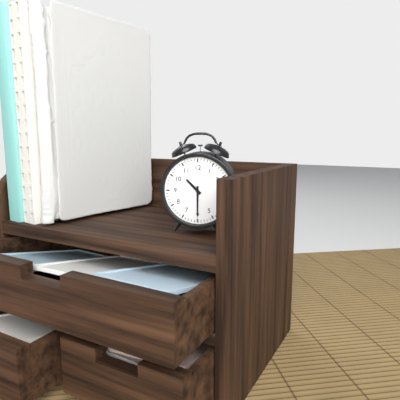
10:30
